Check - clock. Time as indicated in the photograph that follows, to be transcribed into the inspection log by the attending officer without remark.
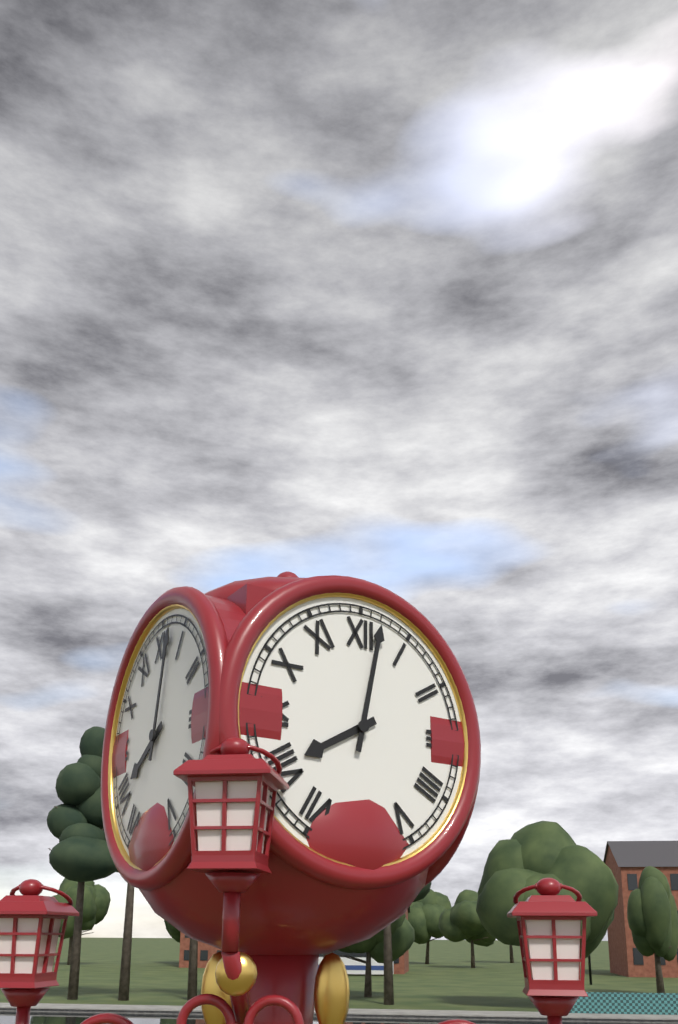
8:02
